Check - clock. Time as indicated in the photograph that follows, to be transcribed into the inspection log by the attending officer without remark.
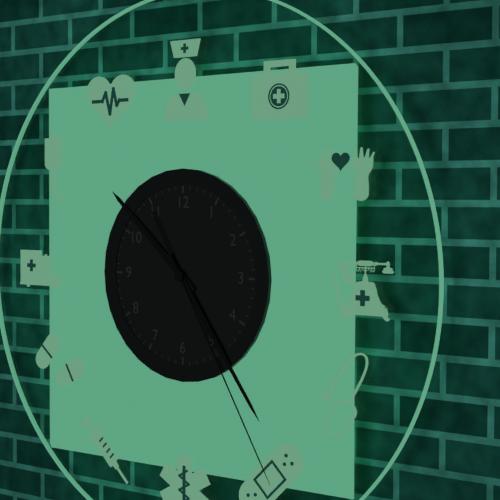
10:24:25
